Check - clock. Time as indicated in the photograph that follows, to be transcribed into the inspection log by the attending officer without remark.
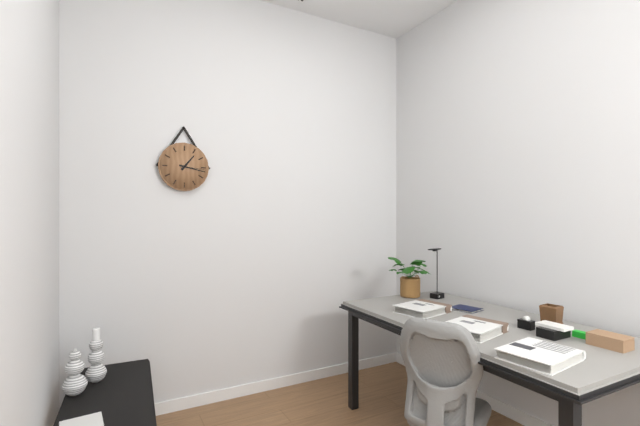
1:17
